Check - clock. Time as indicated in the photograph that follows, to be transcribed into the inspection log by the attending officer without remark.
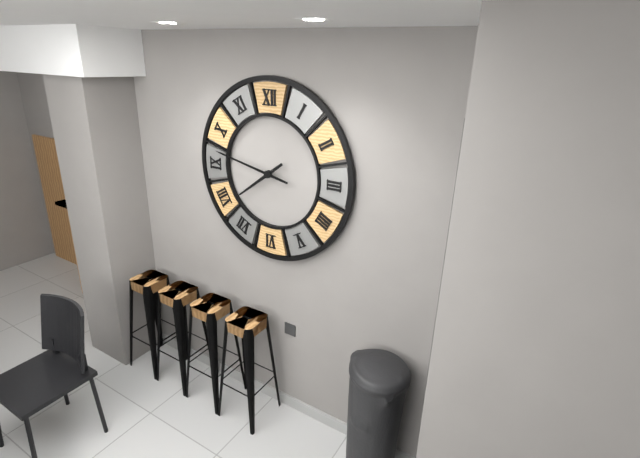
7:47
